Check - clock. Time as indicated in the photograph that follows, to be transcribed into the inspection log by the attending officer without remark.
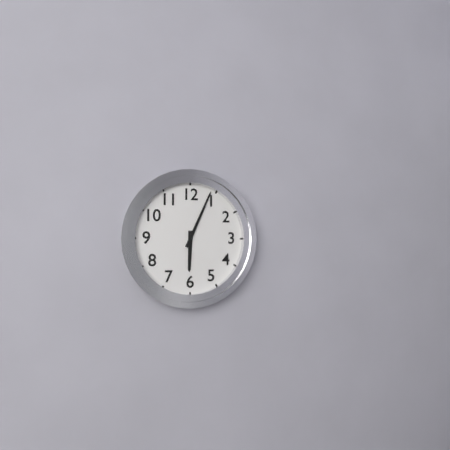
6:04
